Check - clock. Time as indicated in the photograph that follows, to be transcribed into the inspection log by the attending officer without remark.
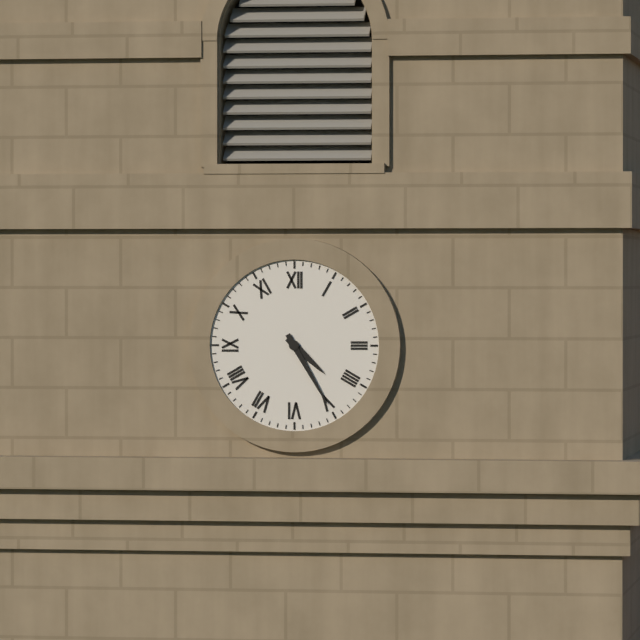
4:25
